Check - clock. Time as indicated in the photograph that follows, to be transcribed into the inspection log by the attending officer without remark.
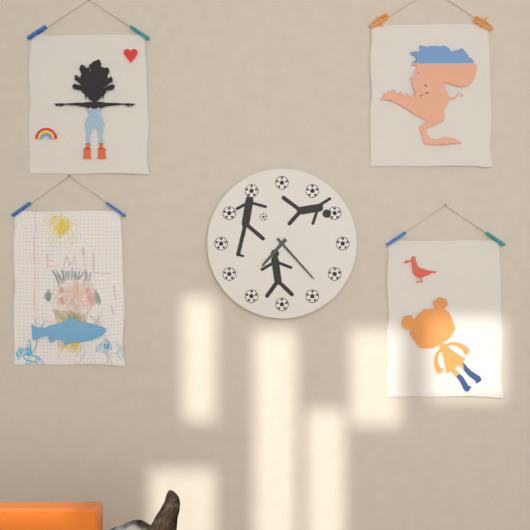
7:23
